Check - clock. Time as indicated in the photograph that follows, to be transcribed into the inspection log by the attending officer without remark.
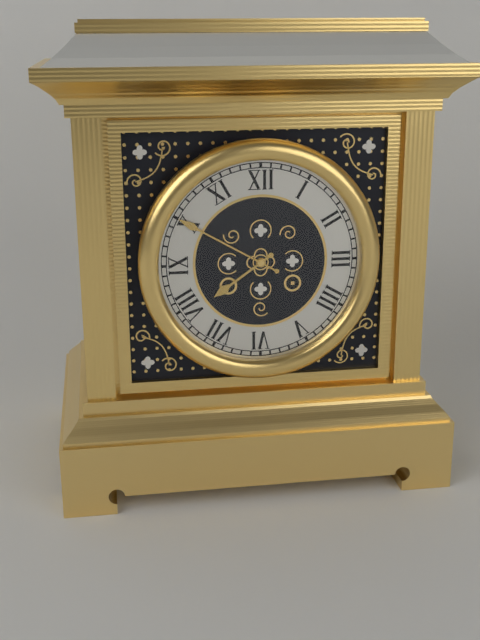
7:50
